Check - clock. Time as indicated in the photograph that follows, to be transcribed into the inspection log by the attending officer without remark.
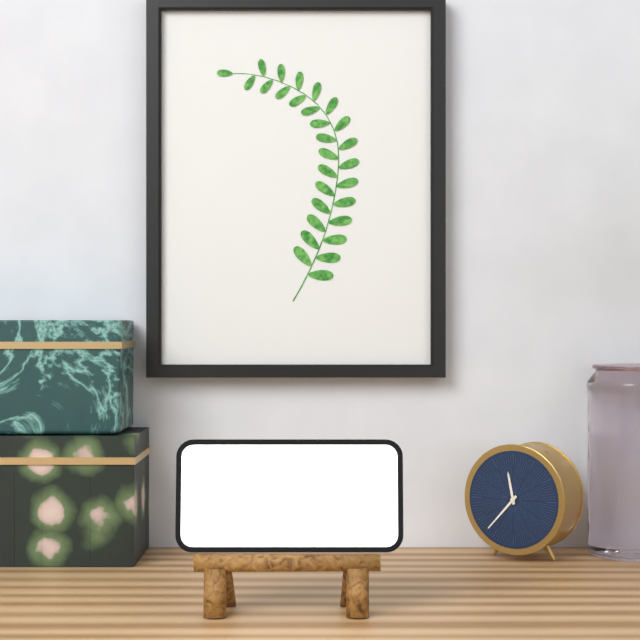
11:37
